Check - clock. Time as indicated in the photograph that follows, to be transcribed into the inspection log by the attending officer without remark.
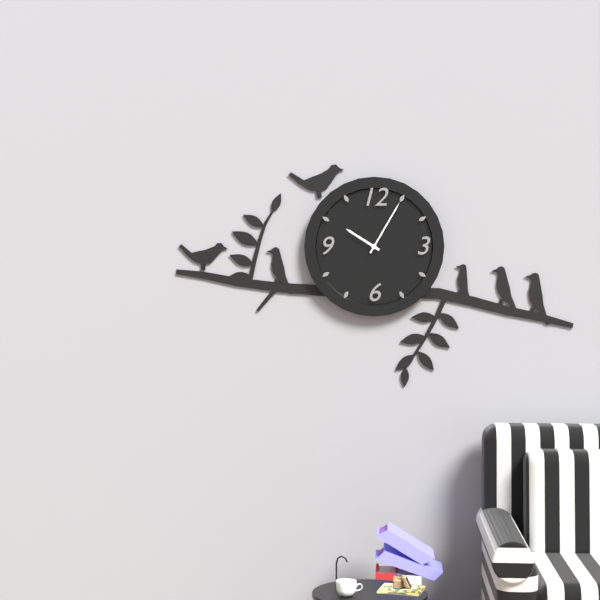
10:05
